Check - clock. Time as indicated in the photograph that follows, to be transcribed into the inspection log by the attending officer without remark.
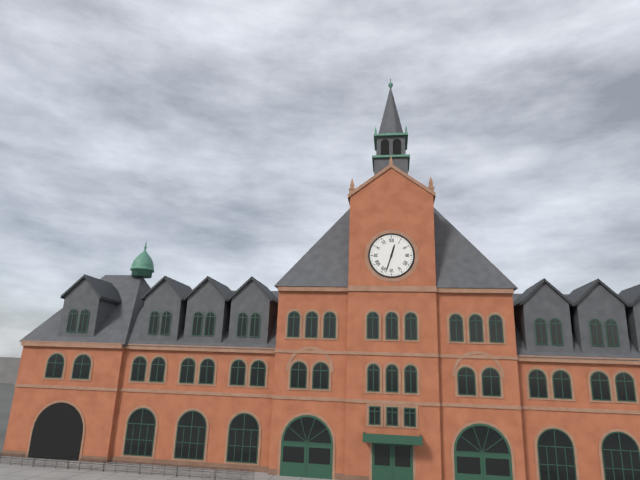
12:33
